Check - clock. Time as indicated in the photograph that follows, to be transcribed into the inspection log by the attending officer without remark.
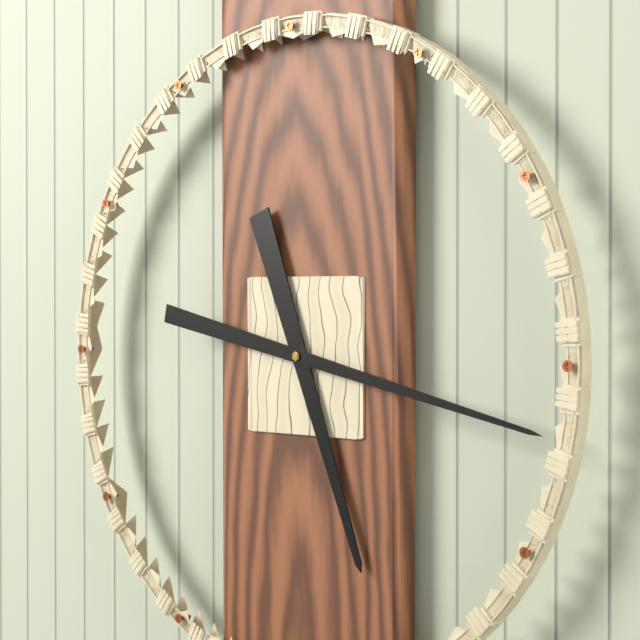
5:17
